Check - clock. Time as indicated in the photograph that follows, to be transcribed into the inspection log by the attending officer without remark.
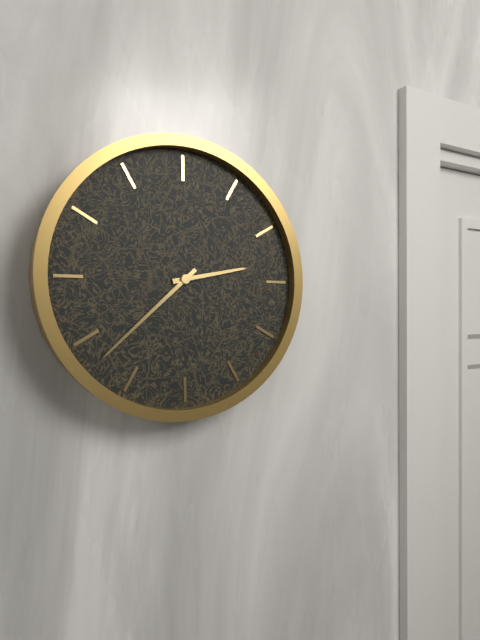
2:38
